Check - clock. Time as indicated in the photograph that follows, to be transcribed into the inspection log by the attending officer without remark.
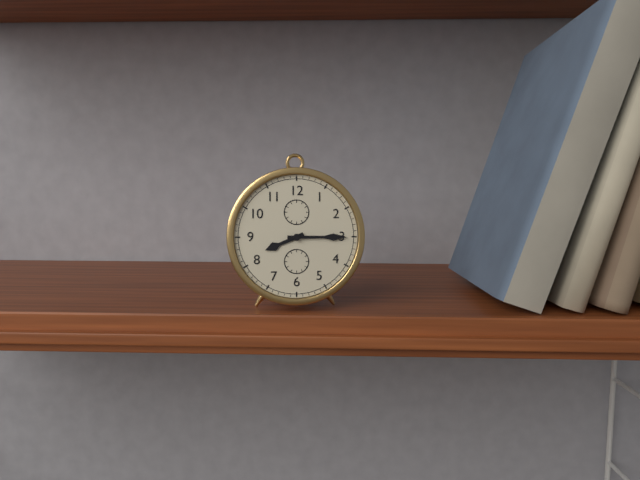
8:15
